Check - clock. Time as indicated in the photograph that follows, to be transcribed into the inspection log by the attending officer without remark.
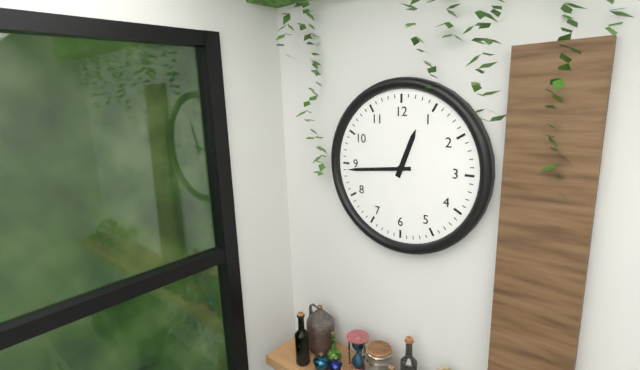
12:44
